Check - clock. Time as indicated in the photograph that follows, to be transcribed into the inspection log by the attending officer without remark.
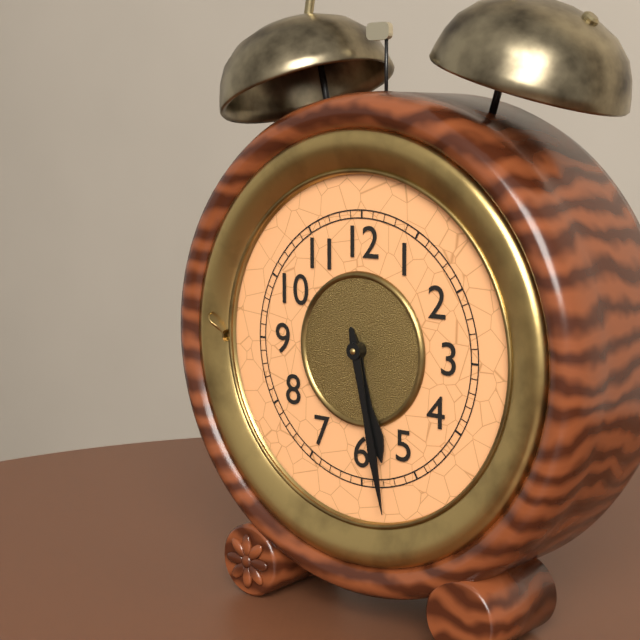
5:28
